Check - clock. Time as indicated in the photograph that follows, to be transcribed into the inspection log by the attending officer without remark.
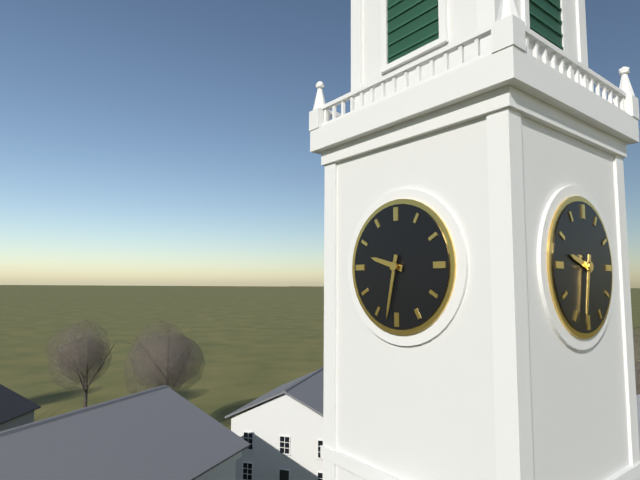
9:32
